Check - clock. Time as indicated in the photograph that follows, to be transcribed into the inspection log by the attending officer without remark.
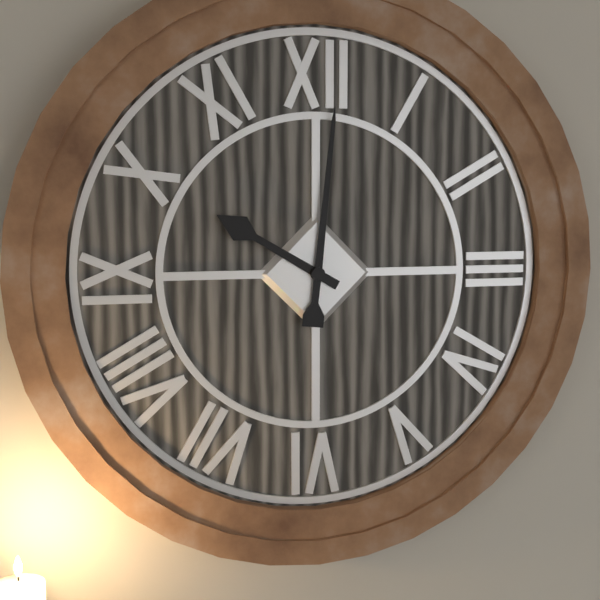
10:01
